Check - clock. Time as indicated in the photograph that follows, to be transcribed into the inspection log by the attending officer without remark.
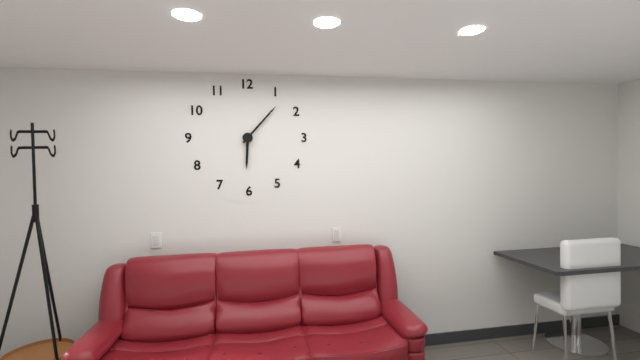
6:07
